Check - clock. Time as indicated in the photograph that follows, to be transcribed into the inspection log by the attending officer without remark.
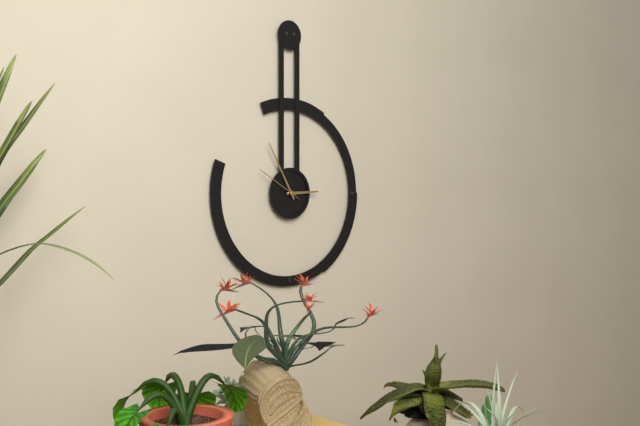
2:55
